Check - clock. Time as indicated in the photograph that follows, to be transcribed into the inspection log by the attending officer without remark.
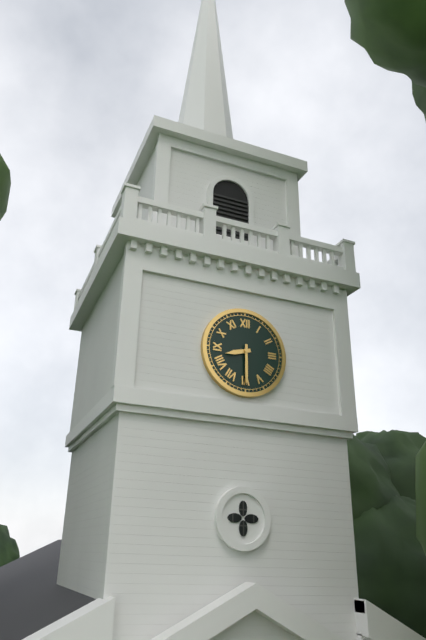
8:30
